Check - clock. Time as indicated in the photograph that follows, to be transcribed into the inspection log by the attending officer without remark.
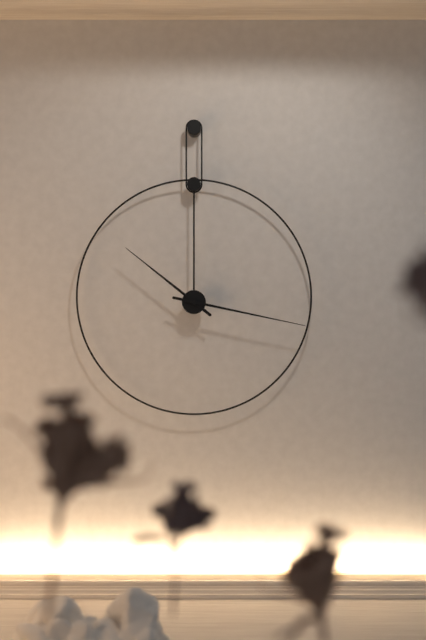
10:17
